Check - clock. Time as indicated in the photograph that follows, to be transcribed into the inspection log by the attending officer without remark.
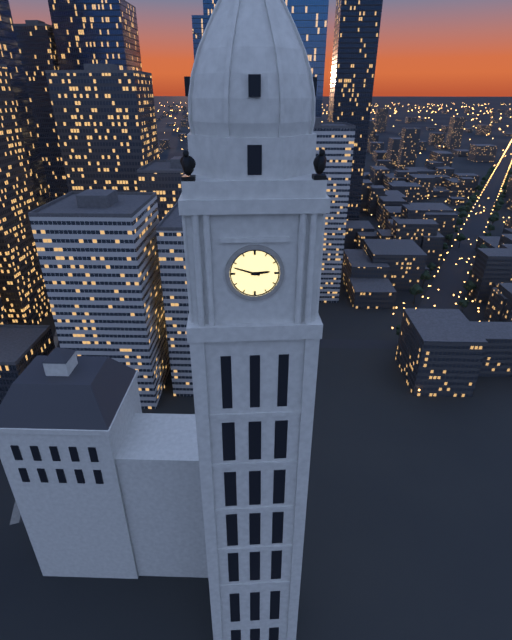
2:48
